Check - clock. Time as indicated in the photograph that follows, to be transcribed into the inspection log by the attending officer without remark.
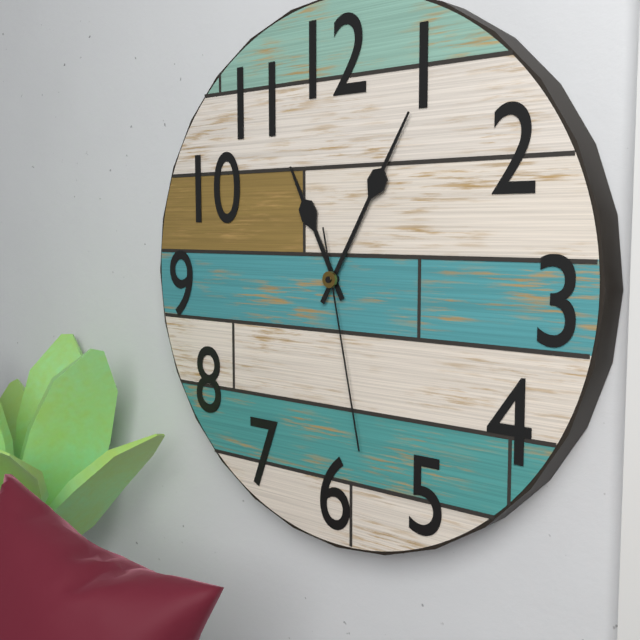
11:05:28
